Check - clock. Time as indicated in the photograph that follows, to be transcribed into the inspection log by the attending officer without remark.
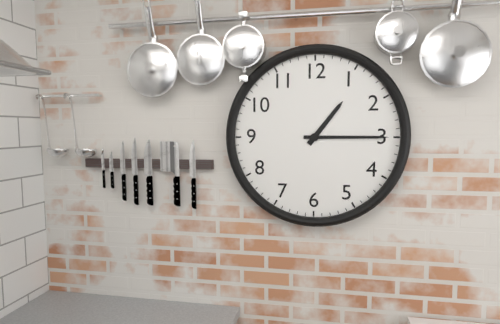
1:15
